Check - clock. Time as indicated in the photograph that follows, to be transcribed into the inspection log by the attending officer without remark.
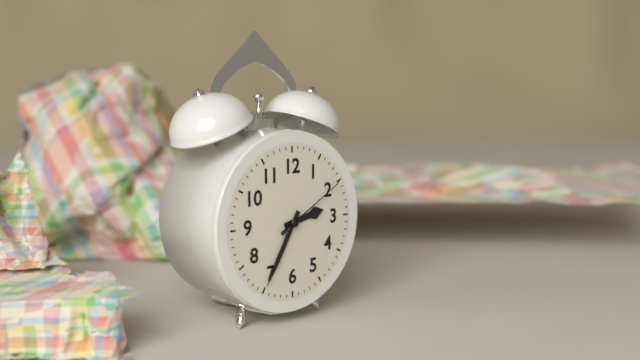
2:35:10
